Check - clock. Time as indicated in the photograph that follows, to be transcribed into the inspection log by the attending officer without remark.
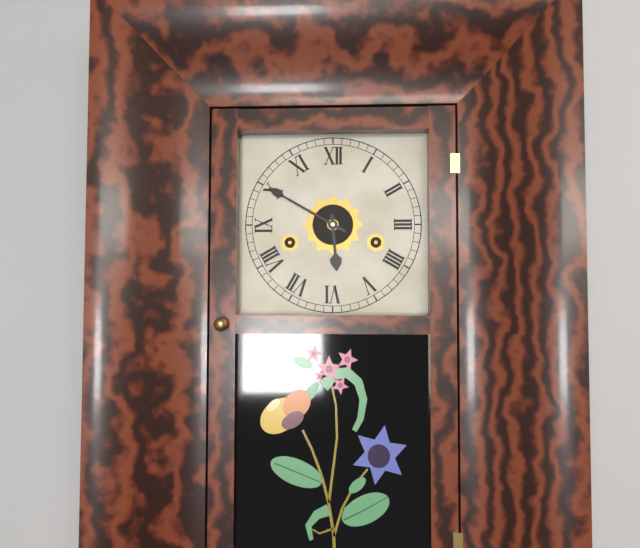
5:50
